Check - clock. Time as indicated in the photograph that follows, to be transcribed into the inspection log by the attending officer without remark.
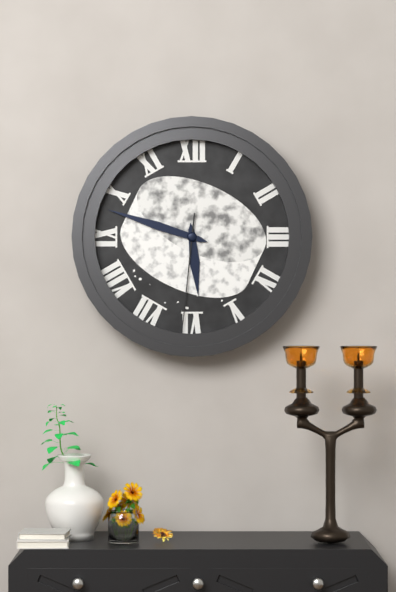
5:48:31
